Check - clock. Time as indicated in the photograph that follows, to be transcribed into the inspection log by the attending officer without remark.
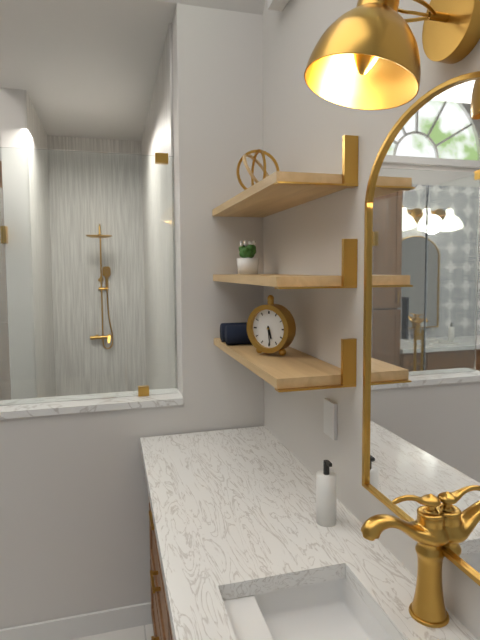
5:29
